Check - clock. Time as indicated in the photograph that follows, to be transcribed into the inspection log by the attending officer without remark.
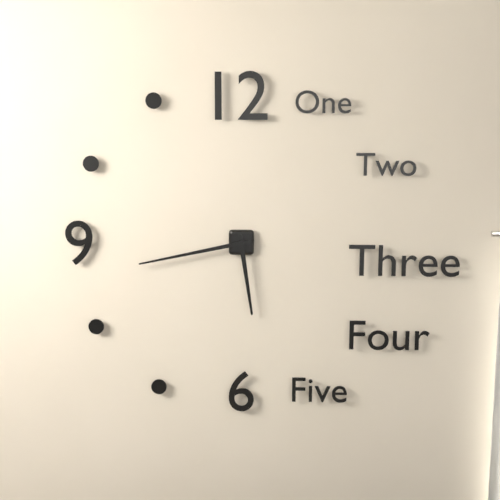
5:43
